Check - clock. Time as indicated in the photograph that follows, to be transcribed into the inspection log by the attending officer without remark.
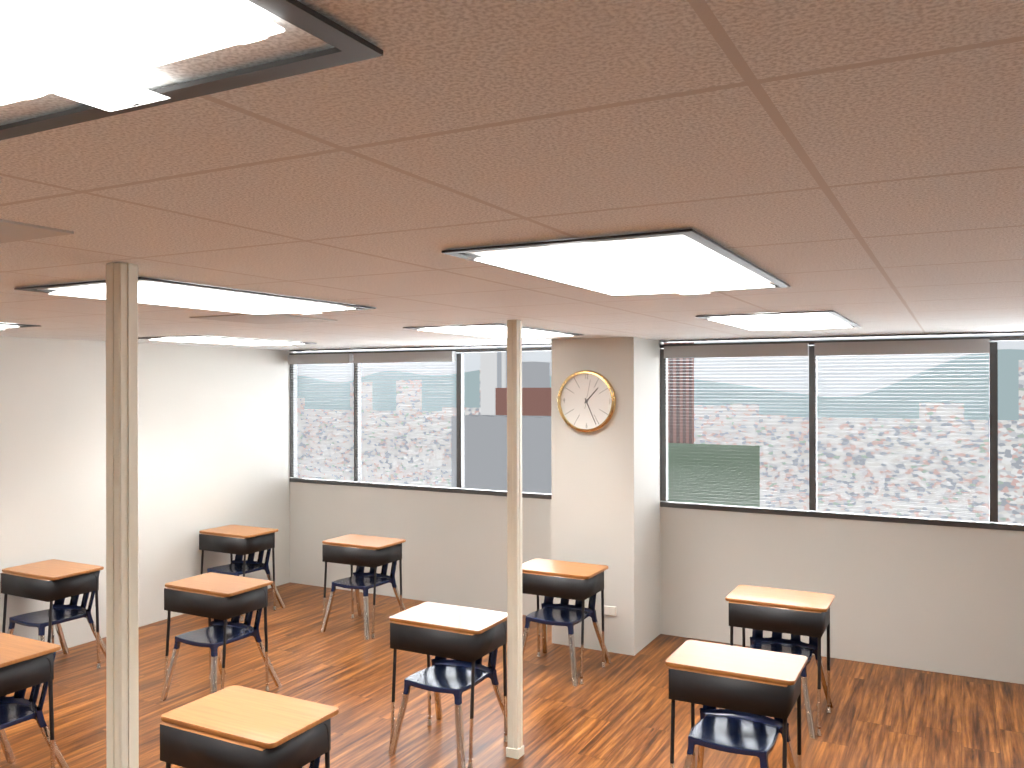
1:26
